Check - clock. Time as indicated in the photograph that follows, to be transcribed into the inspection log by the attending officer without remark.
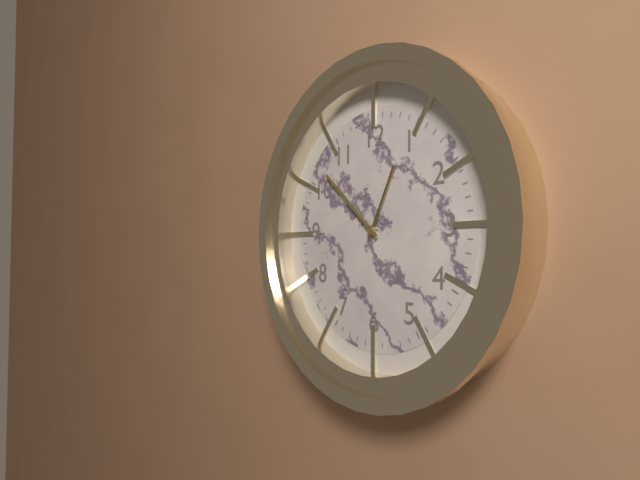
12:52
